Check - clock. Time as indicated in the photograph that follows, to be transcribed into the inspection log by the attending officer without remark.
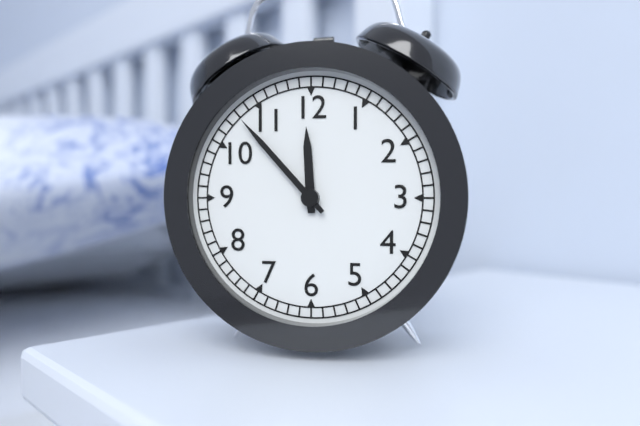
11:53
